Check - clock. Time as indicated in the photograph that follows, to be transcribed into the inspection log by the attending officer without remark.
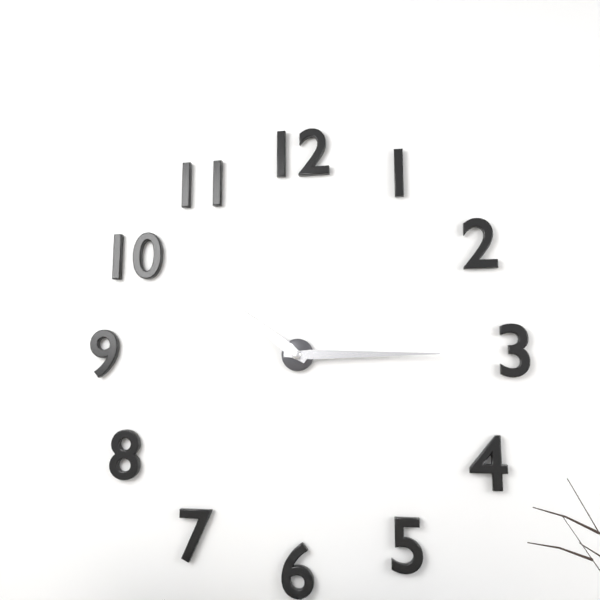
10:15
